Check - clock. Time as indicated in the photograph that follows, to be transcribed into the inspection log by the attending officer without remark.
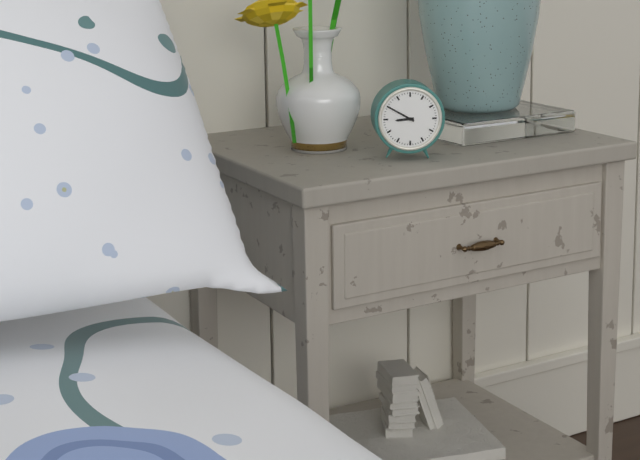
8:50
